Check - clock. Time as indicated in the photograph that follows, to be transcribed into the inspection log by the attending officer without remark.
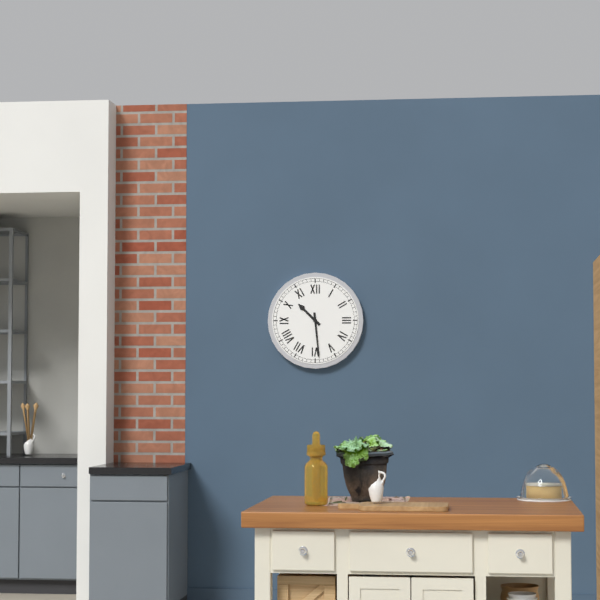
10:29
